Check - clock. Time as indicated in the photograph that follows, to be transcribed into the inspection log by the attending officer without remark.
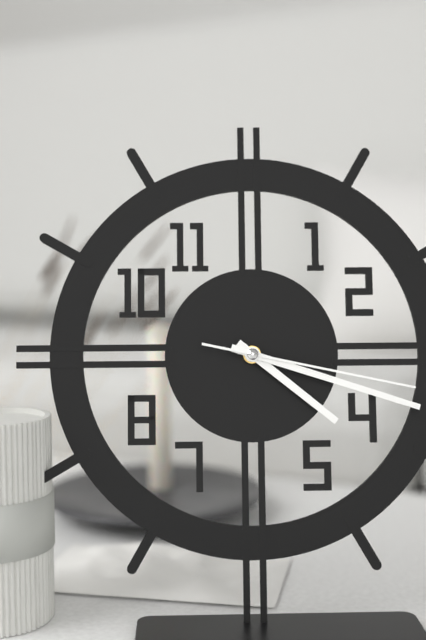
4:18:17
